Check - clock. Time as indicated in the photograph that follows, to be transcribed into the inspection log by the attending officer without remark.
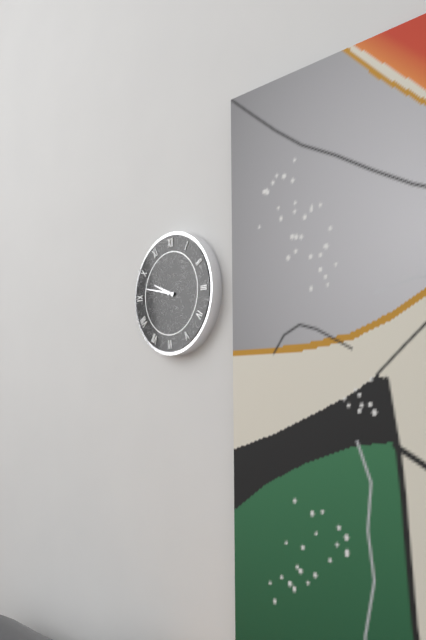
9:47
